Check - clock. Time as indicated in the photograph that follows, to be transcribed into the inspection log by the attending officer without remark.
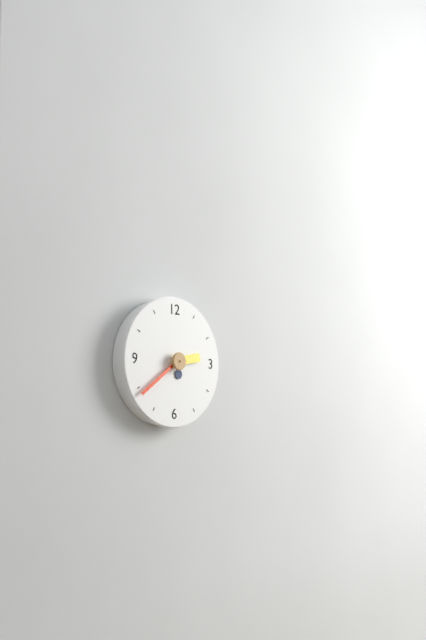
2:39
